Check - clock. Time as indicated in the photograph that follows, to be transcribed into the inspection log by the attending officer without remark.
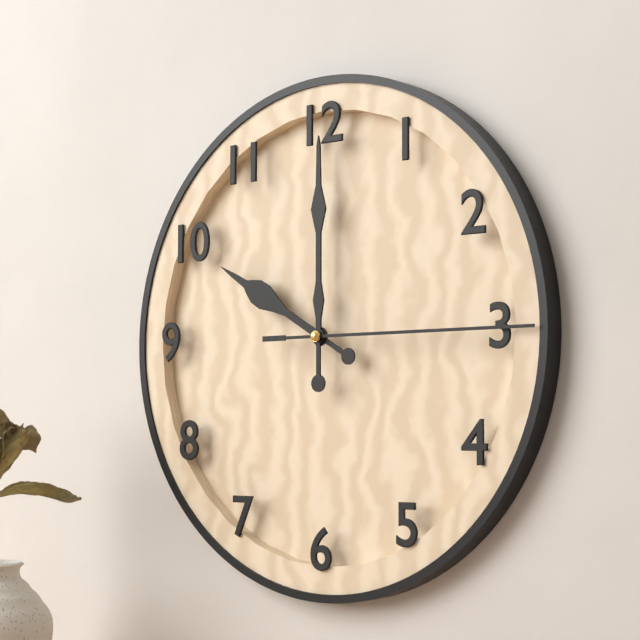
10:00:15
